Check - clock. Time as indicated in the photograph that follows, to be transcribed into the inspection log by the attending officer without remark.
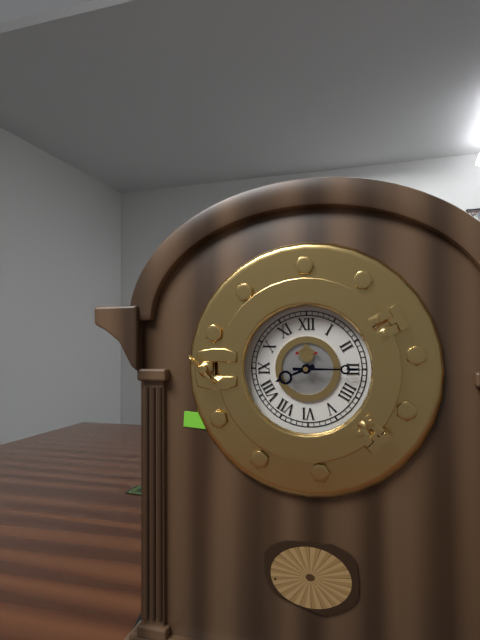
8:15
